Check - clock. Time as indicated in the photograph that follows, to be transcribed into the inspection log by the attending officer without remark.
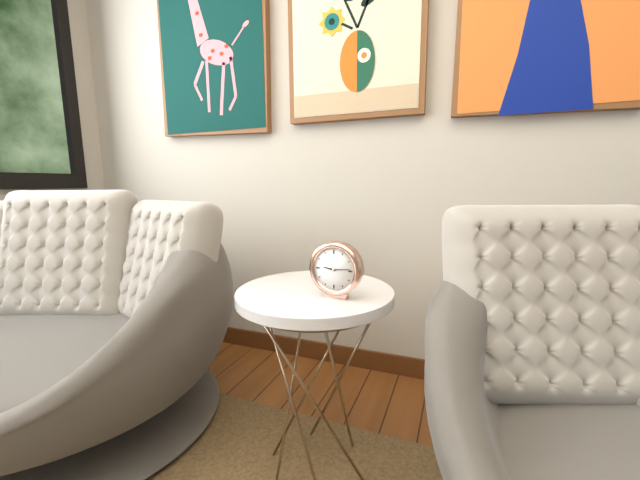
9:14
